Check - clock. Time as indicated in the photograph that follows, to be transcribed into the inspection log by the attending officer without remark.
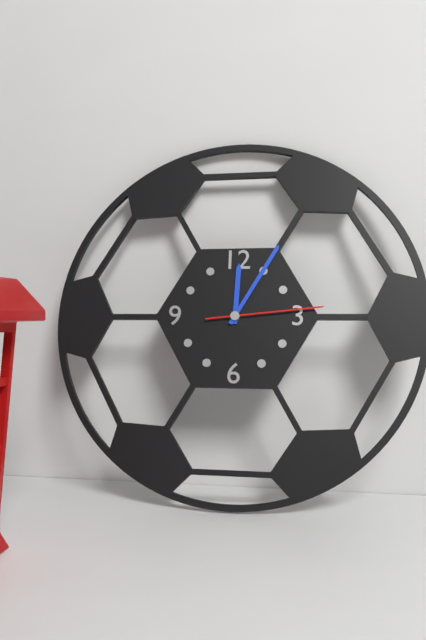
12:05:14
